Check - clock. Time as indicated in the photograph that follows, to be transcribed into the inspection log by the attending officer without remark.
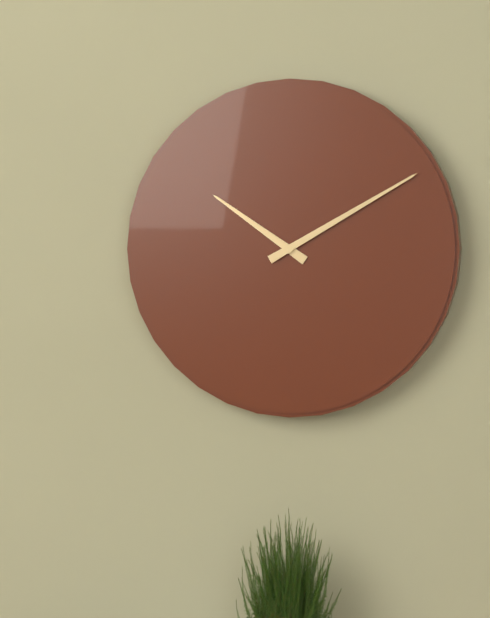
10:10
